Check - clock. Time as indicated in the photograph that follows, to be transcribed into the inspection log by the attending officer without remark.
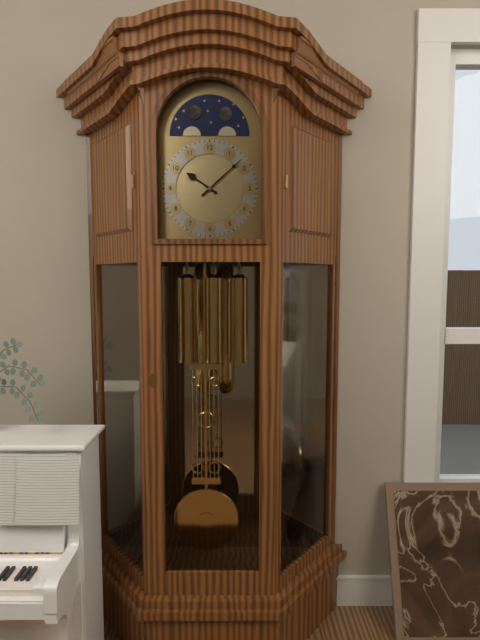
10:08
